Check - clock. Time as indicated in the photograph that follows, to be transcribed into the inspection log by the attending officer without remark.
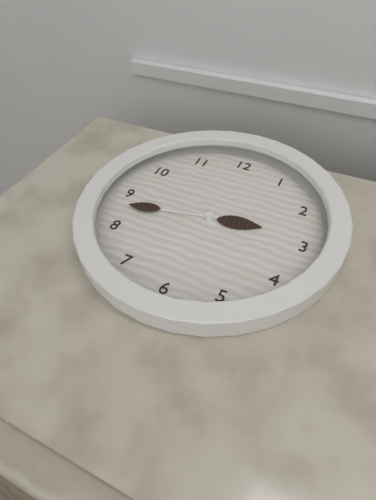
2:43
